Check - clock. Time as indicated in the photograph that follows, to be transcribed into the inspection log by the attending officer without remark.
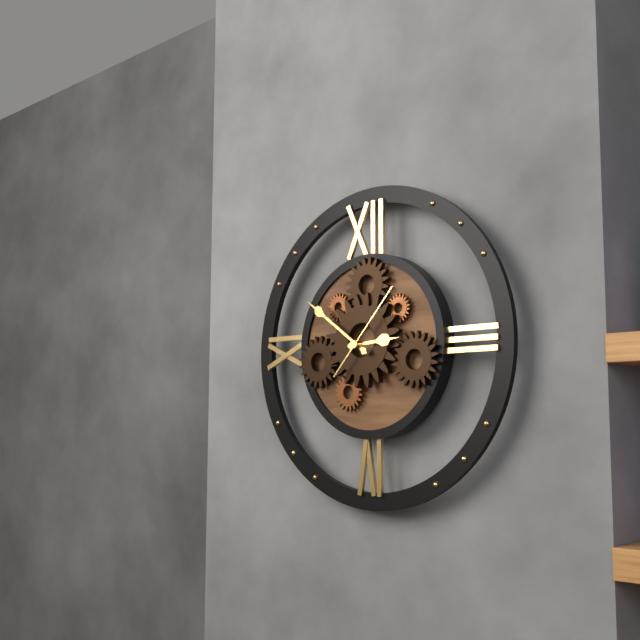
2:51:07
